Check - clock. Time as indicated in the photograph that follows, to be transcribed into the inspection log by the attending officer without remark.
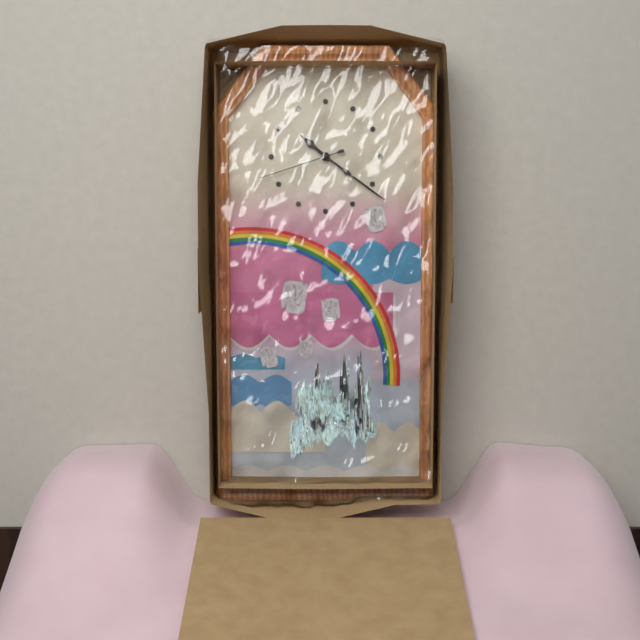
10:21:42
